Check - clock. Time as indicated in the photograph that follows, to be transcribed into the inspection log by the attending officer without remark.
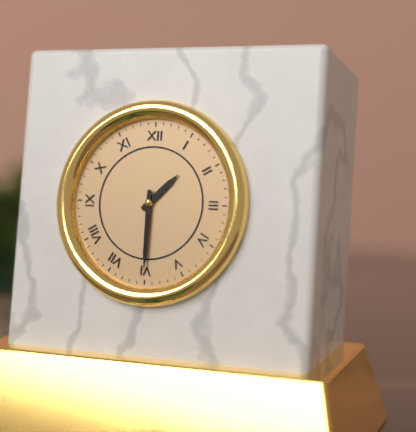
1:30
